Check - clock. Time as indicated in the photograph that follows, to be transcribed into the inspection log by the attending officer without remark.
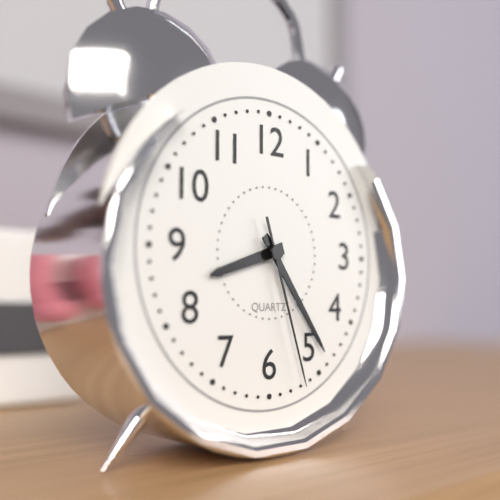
8:24:27
